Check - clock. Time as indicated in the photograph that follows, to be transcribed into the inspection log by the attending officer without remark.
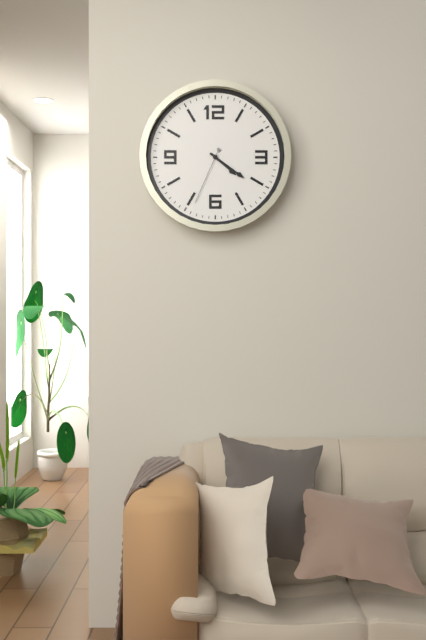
4:21:34
